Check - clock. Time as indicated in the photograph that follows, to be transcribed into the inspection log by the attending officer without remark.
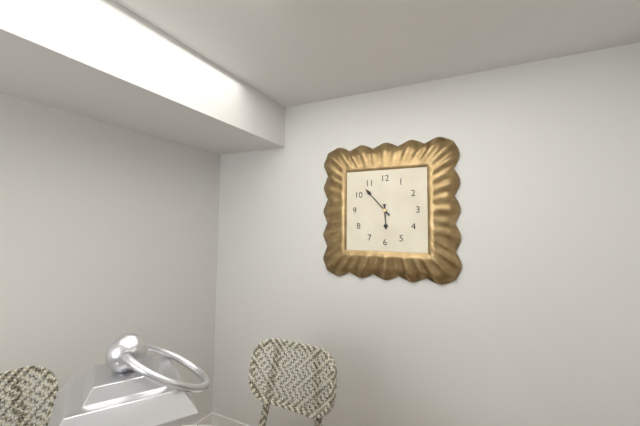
5:53
